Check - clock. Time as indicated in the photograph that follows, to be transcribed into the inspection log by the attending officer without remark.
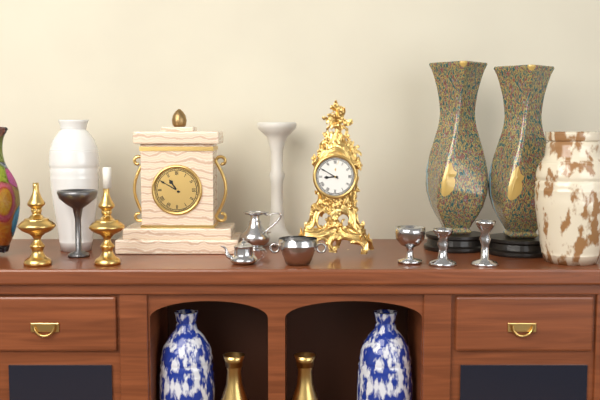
8:50
